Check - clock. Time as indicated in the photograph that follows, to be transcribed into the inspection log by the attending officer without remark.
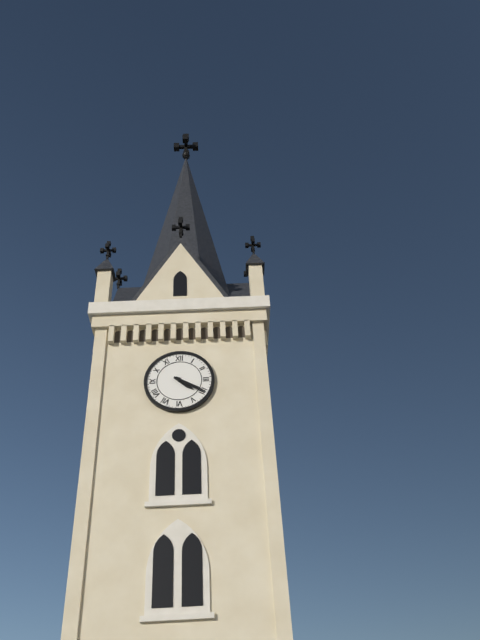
4:20
